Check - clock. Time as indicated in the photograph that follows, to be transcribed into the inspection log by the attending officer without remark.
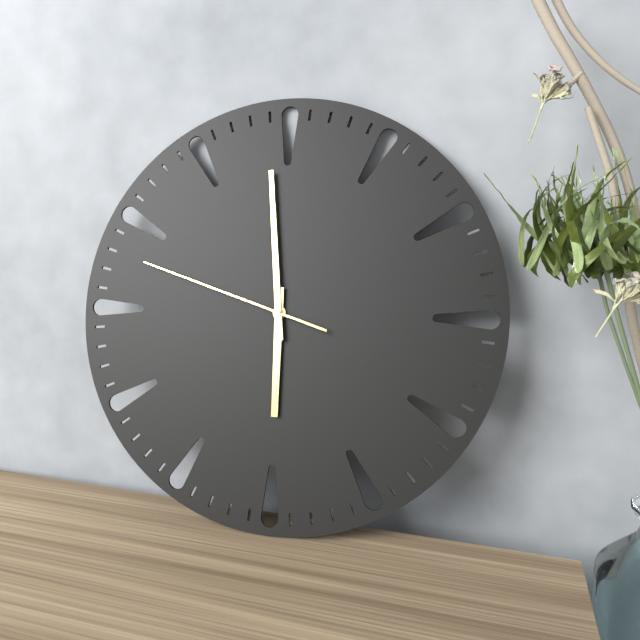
5:59:48
